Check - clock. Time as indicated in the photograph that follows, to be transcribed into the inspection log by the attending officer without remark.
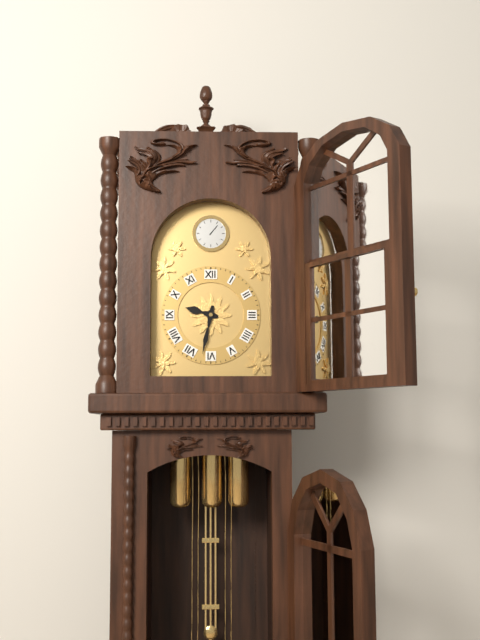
9:32
